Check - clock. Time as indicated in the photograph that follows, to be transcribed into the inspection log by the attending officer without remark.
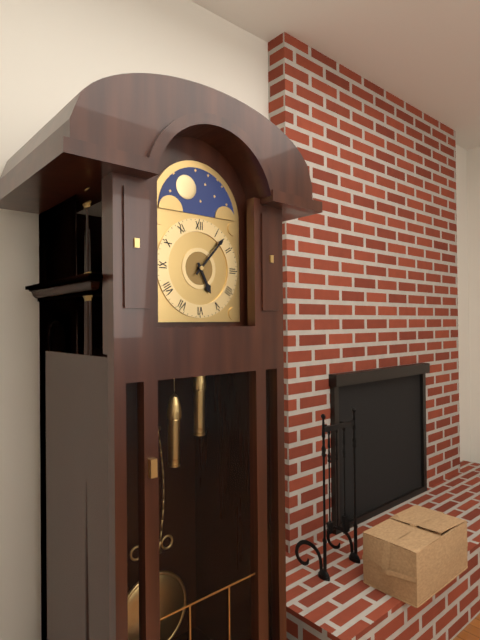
5:07
